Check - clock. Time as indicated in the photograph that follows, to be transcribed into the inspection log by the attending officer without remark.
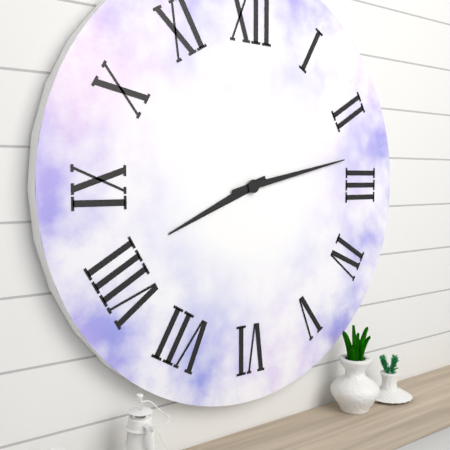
8:13
